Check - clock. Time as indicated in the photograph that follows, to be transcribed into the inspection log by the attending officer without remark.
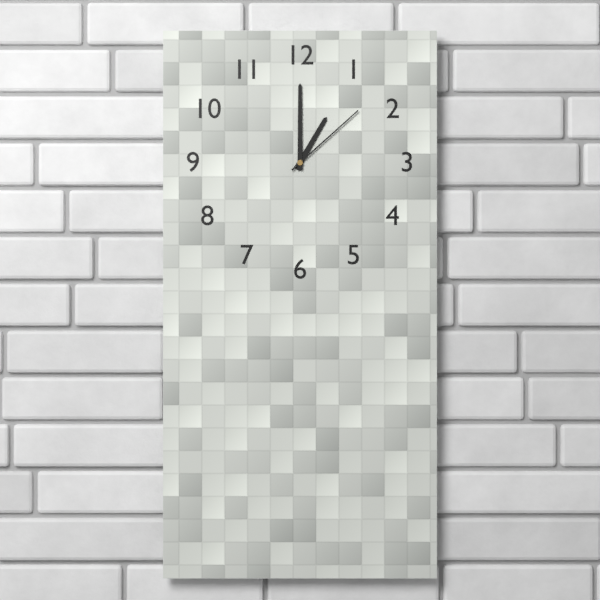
1:00:08
